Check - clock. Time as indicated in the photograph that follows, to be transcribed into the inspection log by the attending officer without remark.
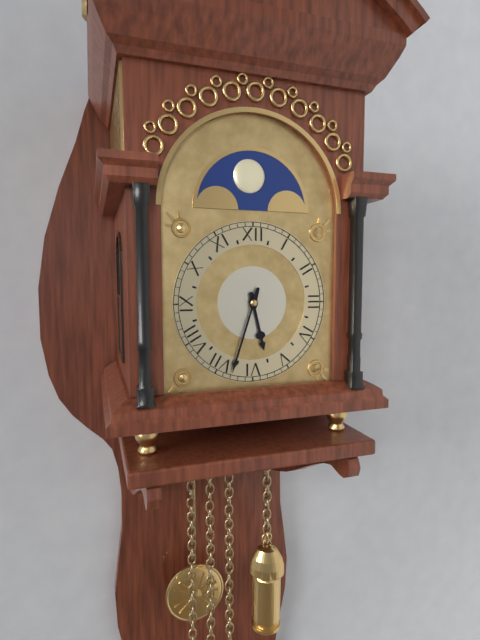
5:33
